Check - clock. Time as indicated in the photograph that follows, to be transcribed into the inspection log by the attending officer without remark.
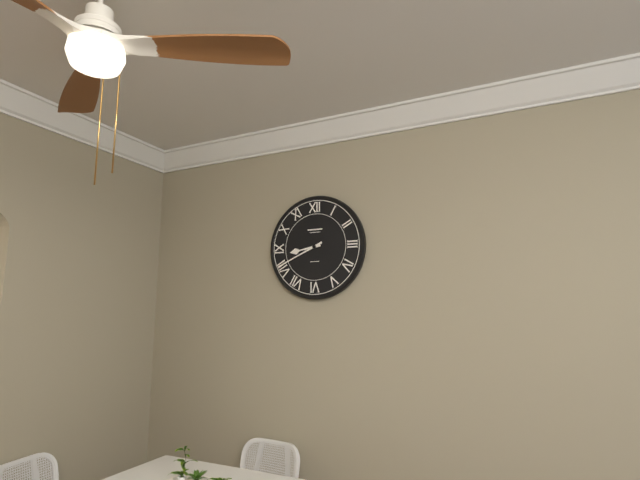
8:41
